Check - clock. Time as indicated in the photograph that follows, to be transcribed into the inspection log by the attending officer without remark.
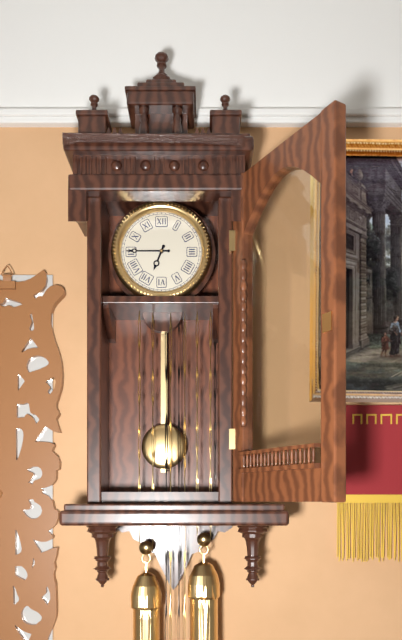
6:45
